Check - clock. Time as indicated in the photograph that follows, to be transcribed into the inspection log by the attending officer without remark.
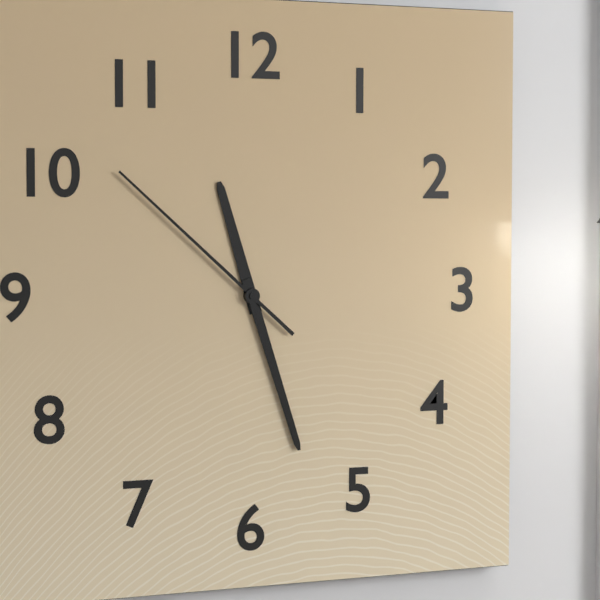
11:27:52
